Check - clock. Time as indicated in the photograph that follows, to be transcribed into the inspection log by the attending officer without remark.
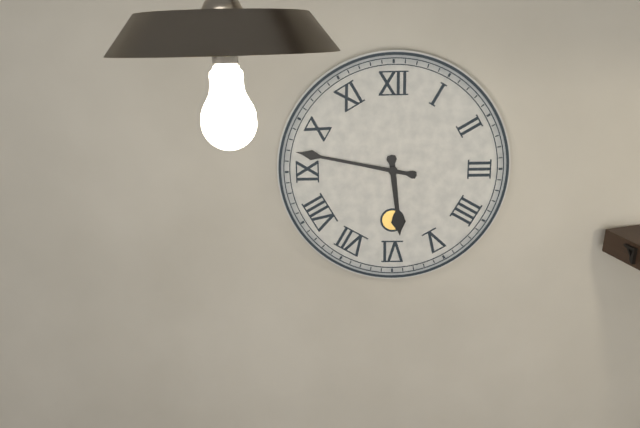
5:47
